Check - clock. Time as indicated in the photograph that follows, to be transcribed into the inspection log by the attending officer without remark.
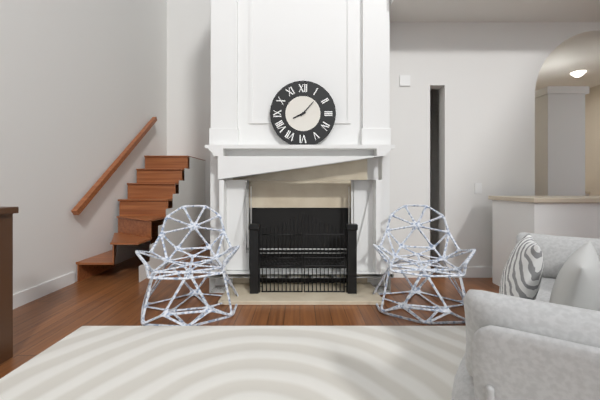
8:07
